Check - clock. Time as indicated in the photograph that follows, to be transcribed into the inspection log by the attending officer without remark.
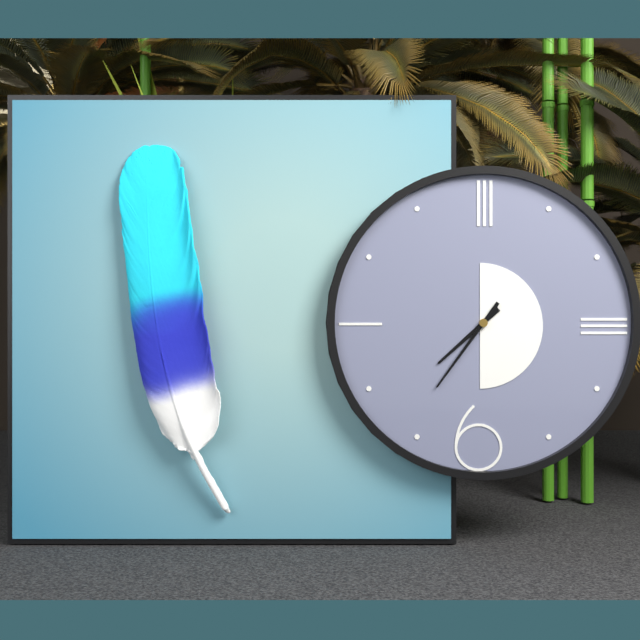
7:36
